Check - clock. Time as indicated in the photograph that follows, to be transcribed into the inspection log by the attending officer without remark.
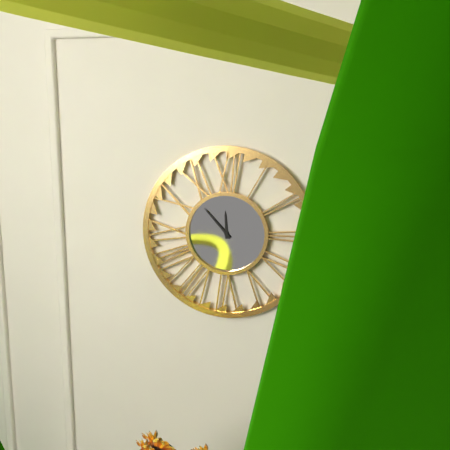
11:53
